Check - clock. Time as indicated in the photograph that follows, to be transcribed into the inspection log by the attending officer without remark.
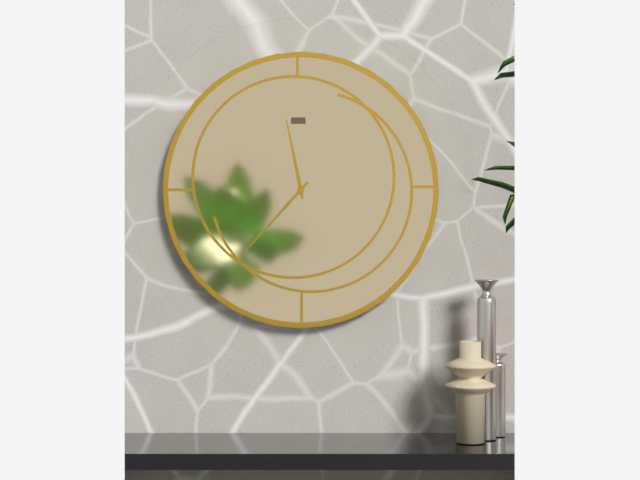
11:37
